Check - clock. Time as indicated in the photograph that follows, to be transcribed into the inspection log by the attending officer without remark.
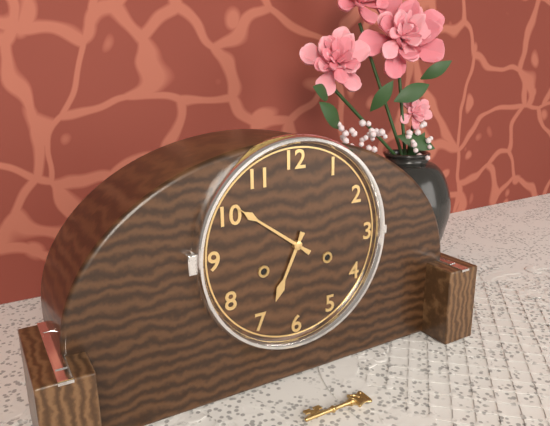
6:51
